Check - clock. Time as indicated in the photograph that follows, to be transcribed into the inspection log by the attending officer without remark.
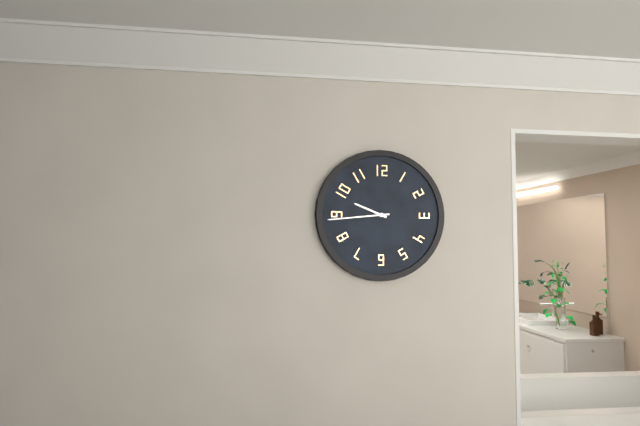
9:44
